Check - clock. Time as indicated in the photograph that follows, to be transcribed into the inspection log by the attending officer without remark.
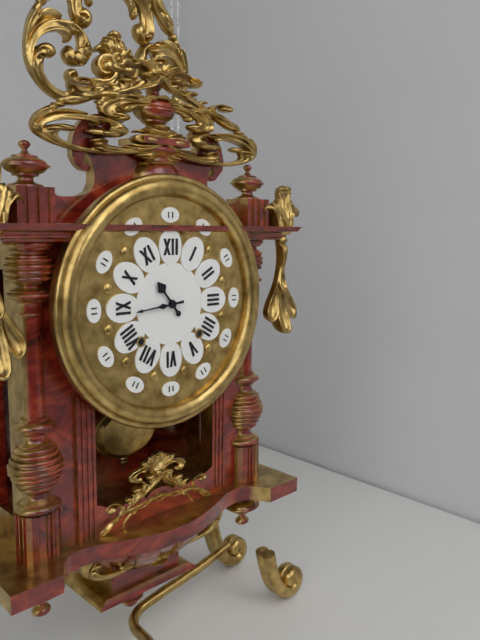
10:44
